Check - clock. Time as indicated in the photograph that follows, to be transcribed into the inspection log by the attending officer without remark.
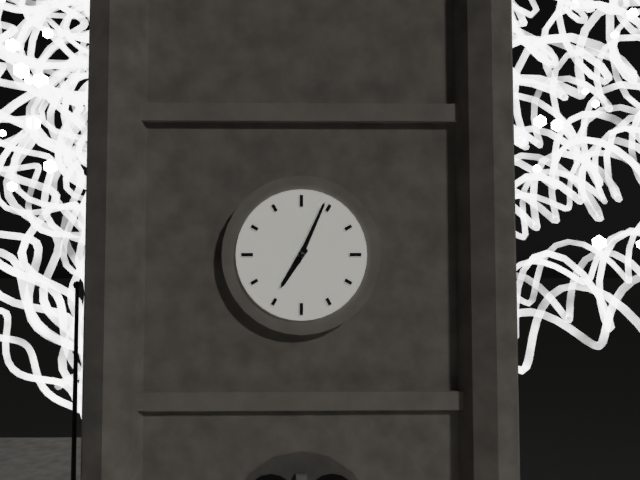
7:04
